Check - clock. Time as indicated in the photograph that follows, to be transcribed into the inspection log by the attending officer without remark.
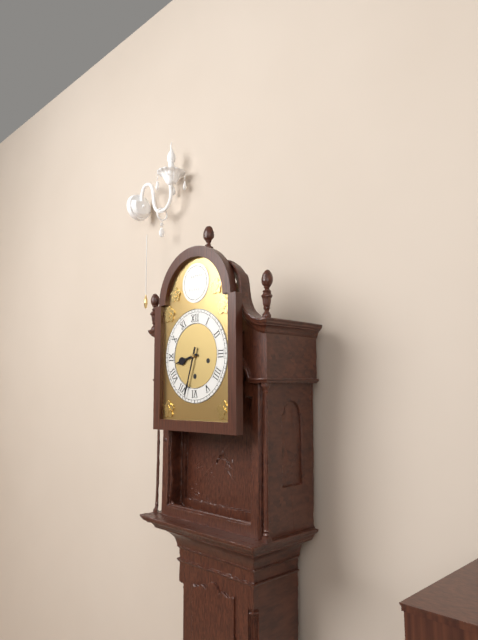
8:33
